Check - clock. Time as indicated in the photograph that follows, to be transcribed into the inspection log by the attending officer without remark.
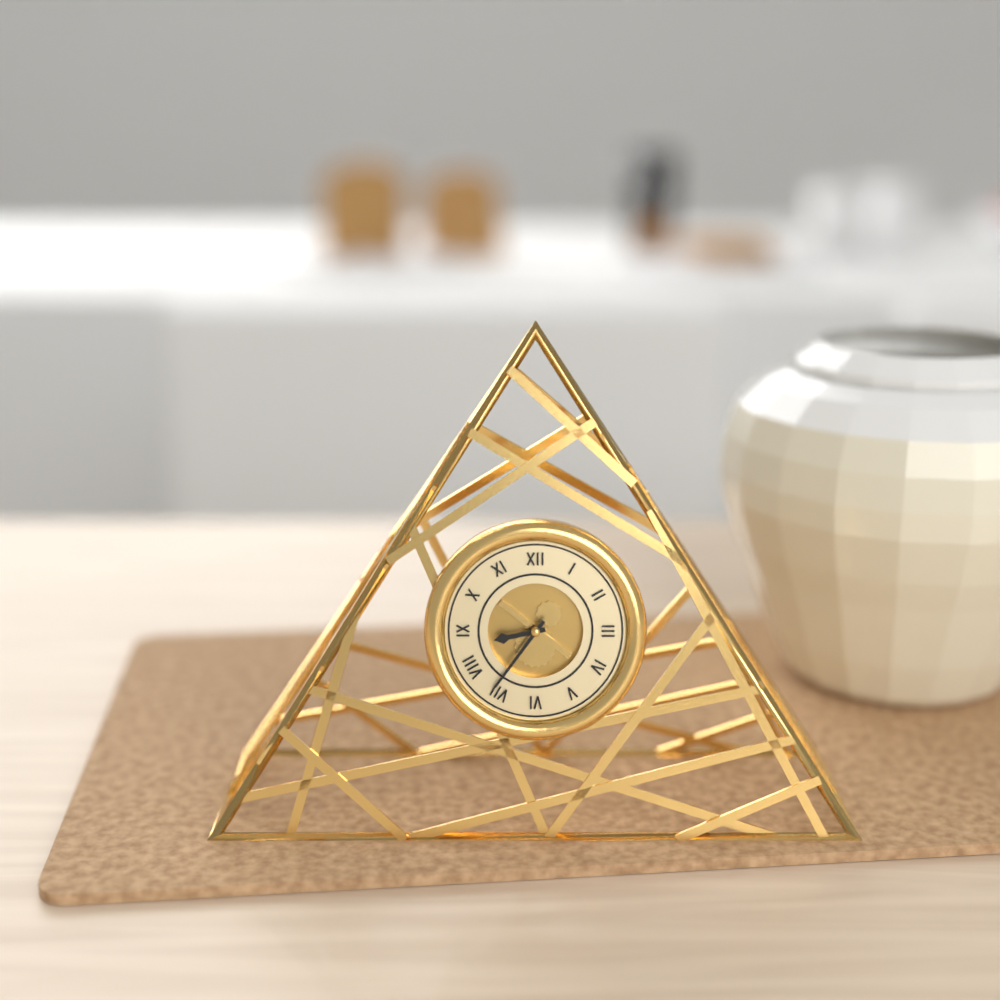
8:36
